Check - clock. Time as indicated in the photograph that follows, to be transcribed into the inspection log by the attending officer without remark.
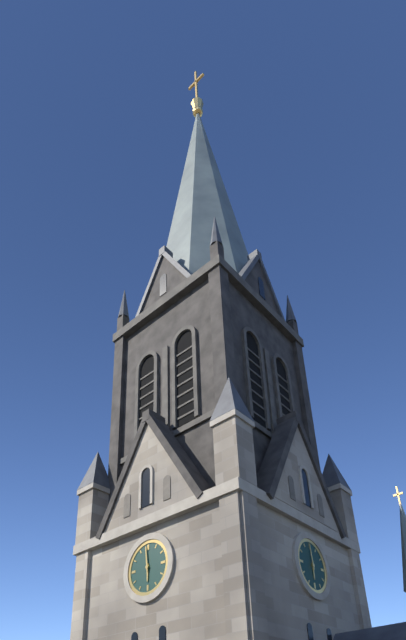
5:59
